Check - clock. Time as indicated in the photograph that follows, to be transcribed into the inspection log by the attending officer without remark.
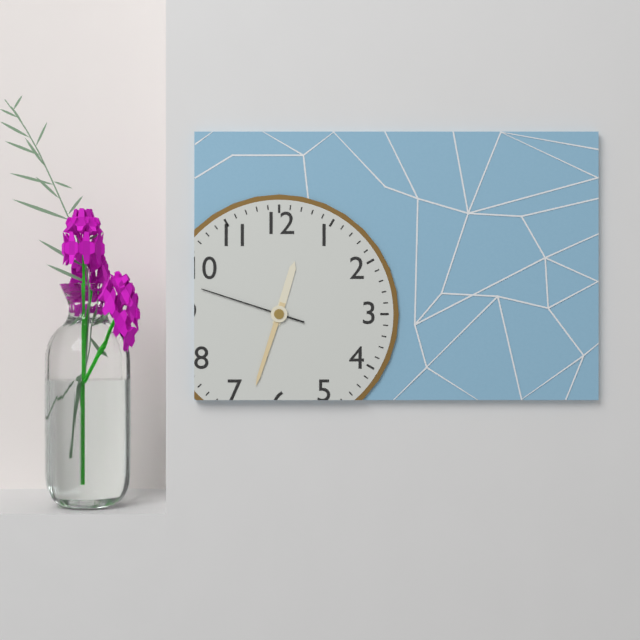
12:33:48
